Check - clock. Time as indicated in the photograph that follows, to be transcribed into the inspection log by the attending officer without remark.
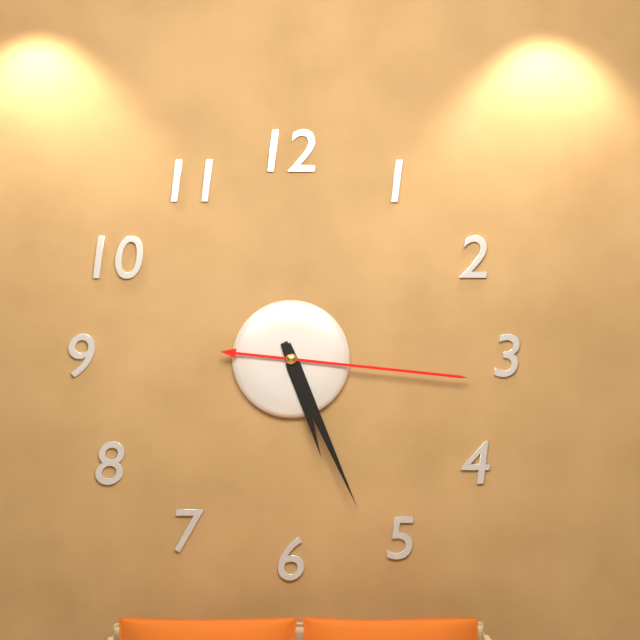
5:26:16
